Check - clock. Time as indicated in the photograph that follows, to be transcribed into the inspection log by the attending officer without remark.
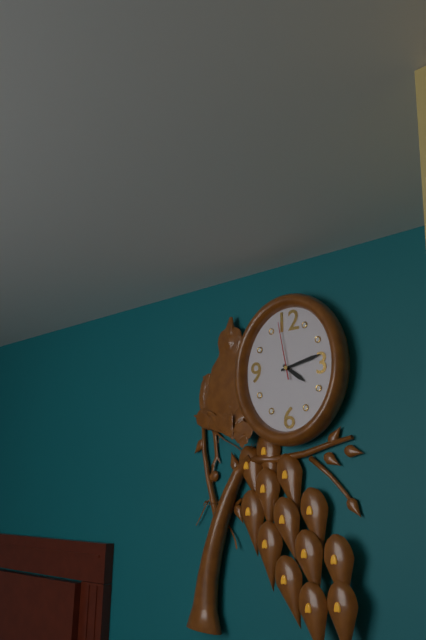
4:13:58
